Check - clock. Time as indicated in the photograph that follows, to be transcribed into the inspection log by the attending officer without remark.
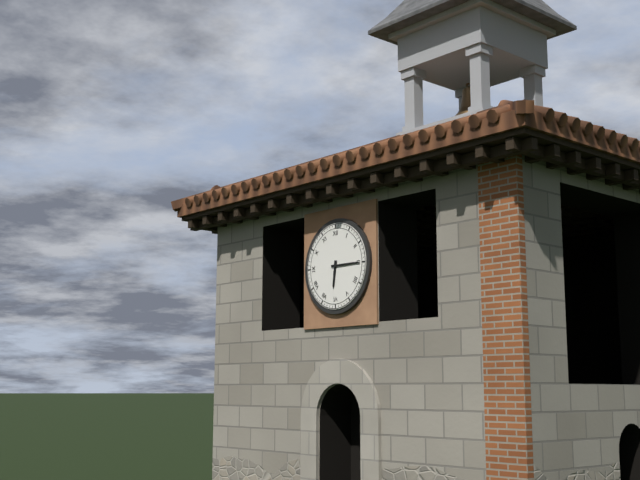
6:15
